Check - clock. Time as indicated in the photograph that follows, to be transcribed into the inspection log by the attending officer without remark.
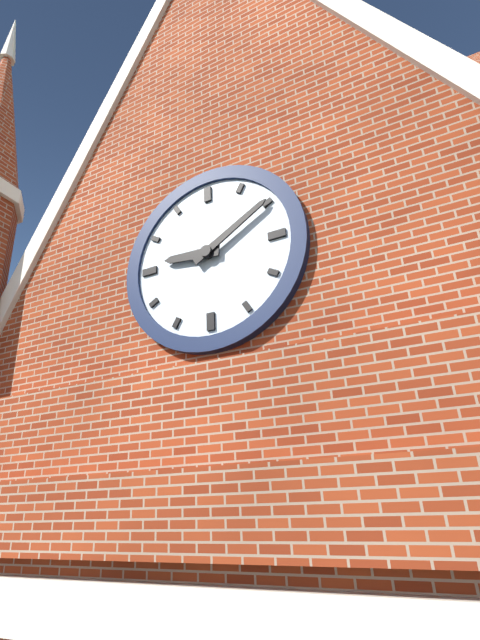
9:10
